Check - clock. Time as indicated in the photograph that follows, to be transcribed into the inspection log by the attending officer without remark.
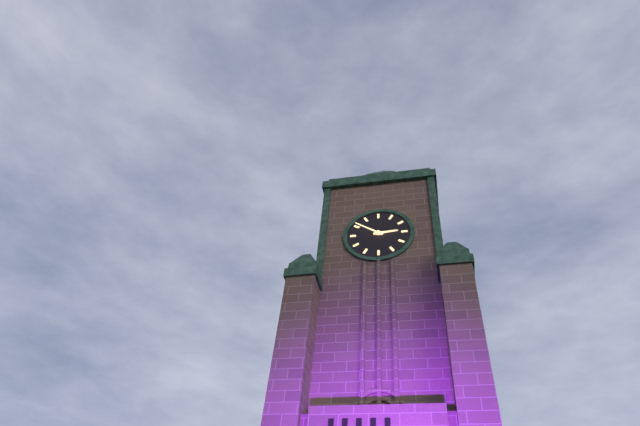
2:51
